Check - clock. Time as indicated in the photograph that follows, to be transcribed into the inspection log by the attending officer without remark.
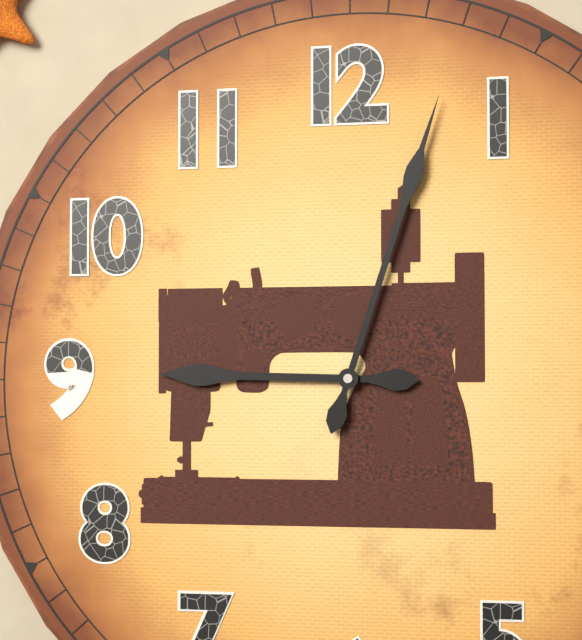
9:03
